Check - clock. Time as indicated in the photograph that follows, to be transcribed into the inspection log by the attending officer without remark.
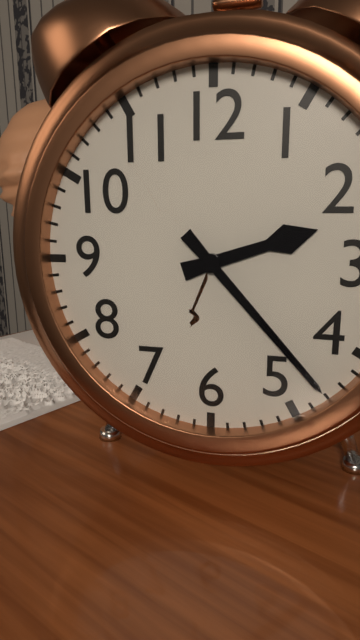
2:23
